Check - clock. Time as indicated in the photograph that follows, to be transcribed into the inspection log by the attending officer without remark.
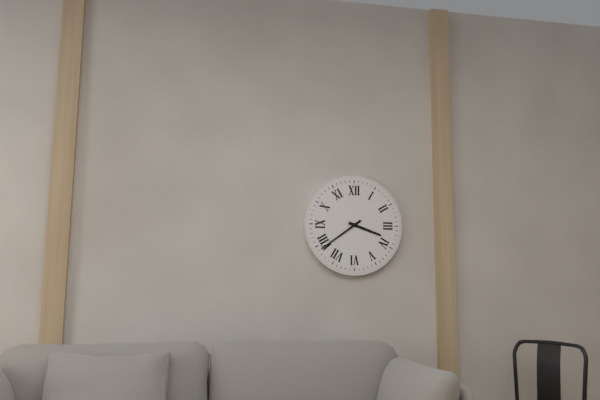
3:39
